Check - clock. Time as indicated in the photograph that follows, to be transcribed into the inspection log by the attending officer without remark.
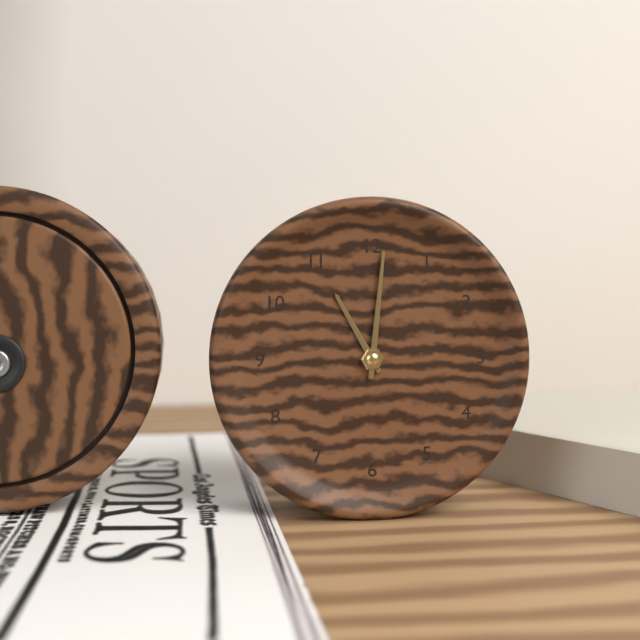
11:01
